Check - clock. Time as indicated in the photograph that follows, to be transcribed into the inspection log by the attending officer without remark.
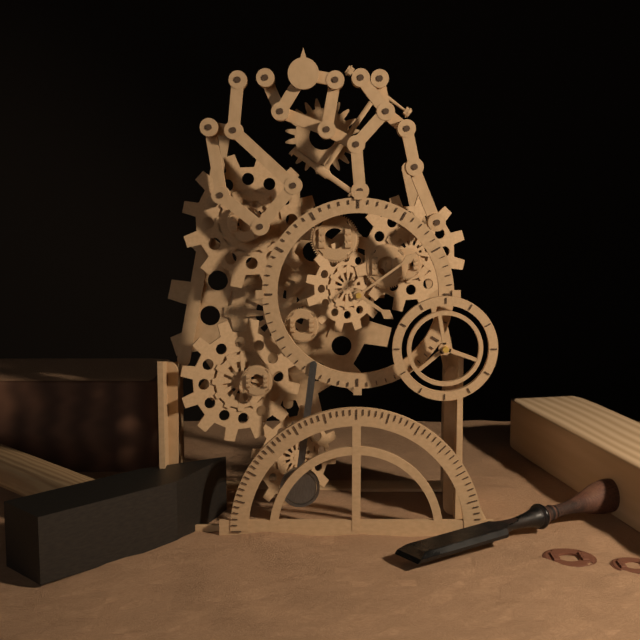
4:09
